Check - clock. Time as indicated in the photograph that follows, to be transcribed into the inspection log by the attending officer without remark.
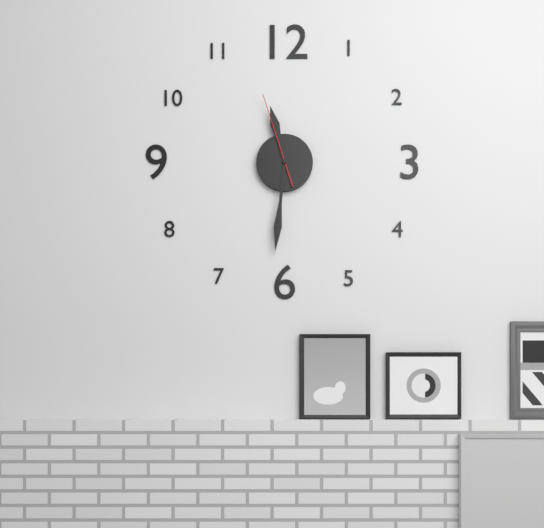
11:31:57
